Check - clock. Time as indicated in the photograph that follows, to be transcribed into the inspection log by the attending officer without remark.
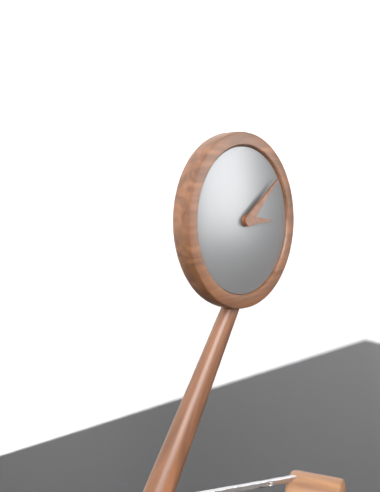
3:09
